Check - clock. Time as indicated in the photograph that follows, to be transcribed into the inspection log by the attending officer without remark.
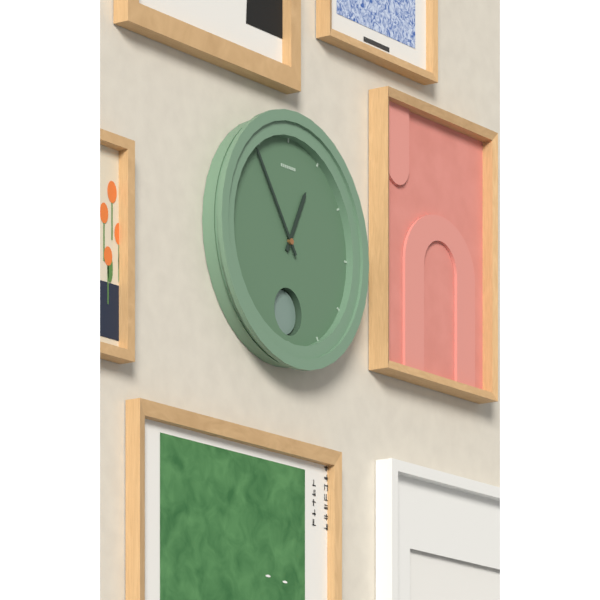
12:54
